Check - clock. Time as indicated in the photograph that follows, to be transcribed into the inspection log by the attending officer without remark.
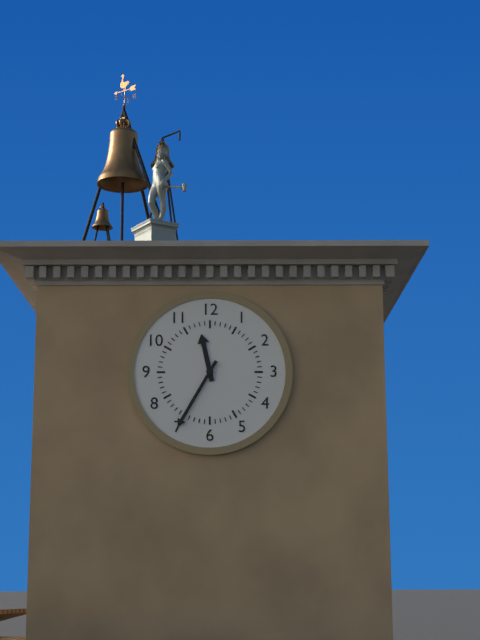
11:35
